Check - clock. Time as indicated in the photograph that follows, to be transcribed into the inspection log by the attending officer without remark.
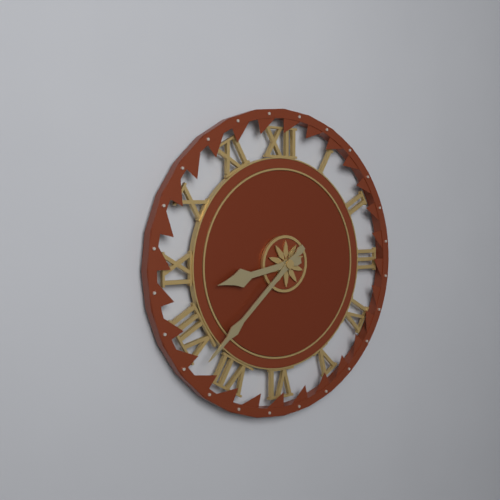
8:38
